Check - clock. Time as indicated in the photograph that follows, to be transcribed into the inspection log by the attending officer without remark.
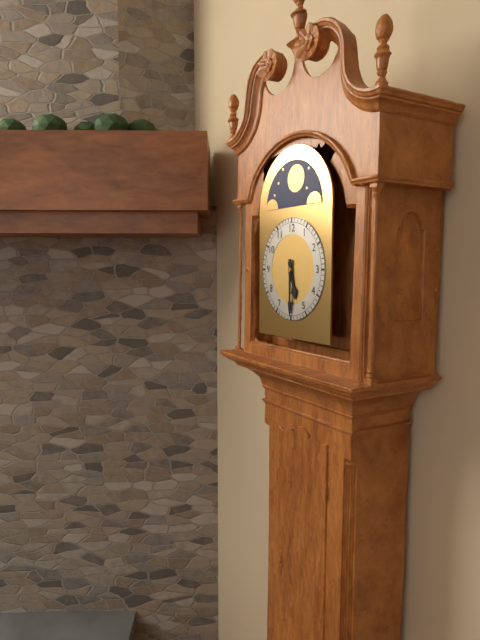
5:30
